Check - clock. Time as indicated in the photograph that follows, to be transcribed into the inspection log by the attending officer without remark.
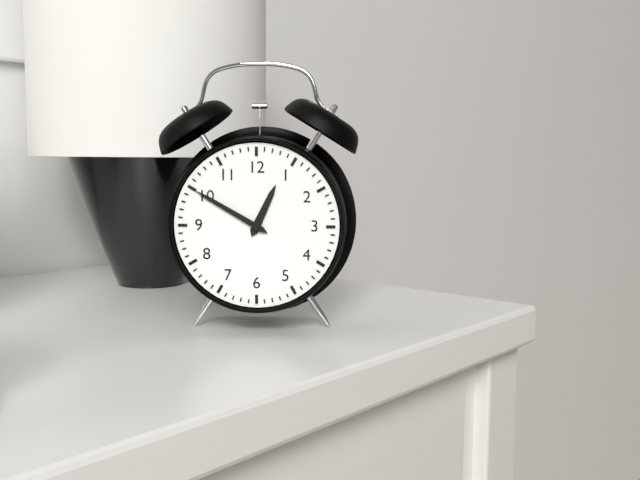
12:50
